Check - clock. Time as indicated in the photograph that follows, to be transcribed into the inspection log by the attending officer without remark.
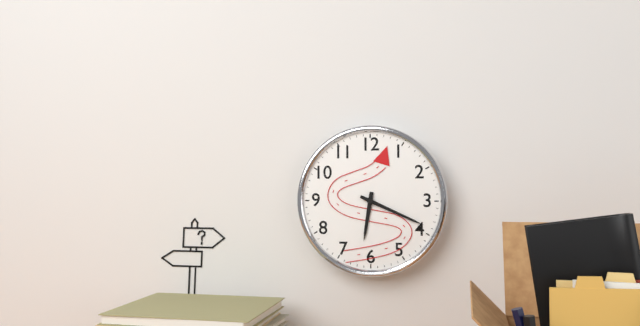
6:19
